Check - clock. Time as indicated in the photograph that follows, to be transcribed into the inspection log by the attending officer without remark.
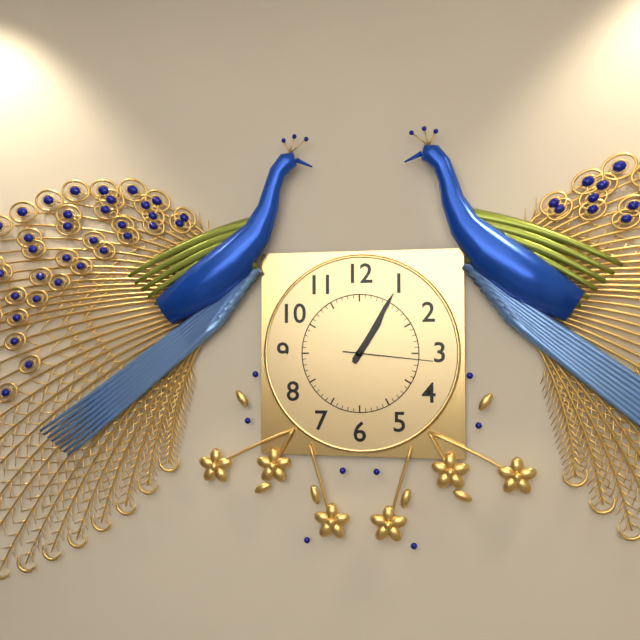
1:05:16
